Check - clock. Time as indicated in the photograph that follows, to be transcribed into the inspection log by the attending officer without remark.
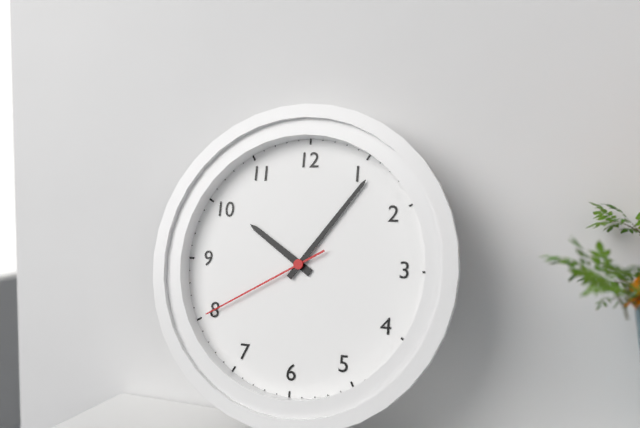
10:06:40
